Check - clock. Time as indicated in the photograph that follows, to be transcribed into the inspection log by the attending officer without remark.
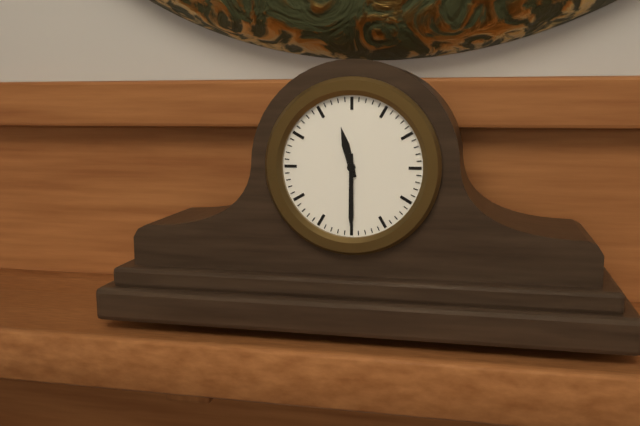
11:30
